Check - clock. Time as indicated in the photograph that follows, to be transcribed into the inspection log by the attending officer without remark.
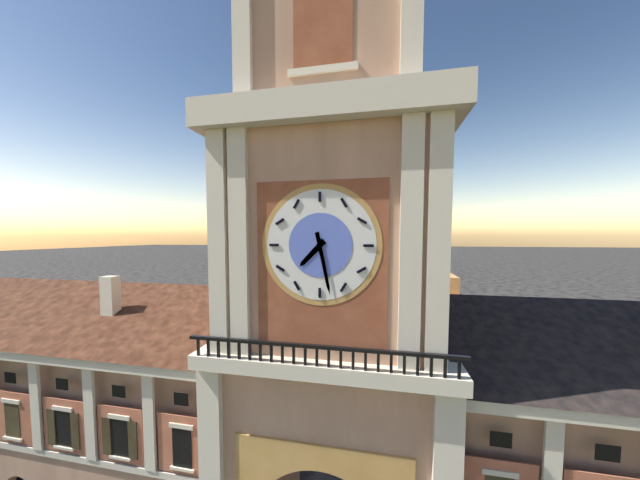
7:28
